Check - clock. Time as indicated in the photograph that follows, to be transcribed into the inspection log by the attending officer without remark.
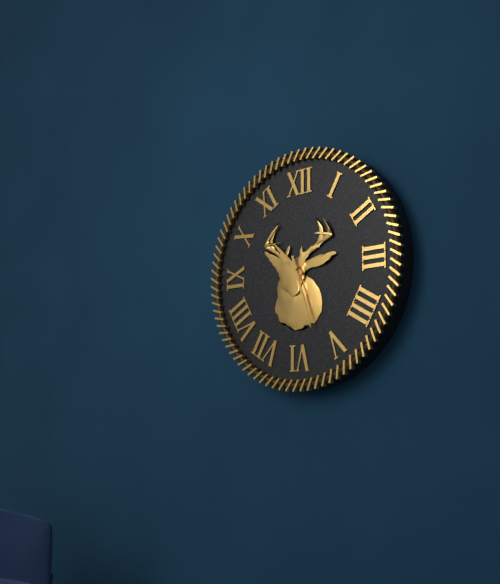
10:27
